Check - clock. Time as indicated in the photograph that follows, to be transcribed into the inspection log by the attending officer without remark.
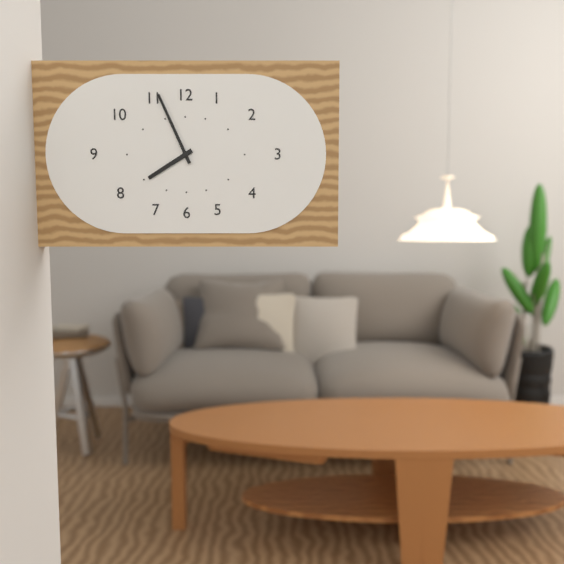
7:56
